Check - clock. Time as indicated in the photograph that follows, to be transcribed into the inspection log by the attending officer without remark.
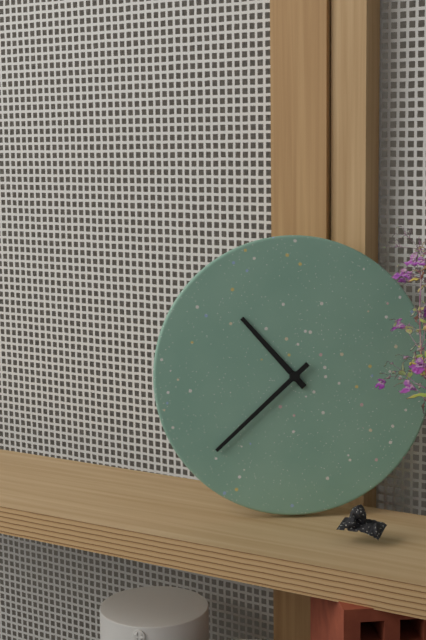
10:38
